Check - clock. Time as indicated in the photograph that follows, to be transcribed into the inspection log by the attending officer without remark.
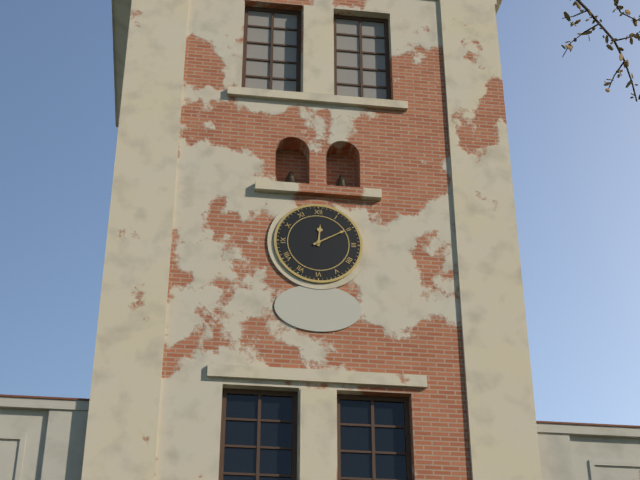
12:10
